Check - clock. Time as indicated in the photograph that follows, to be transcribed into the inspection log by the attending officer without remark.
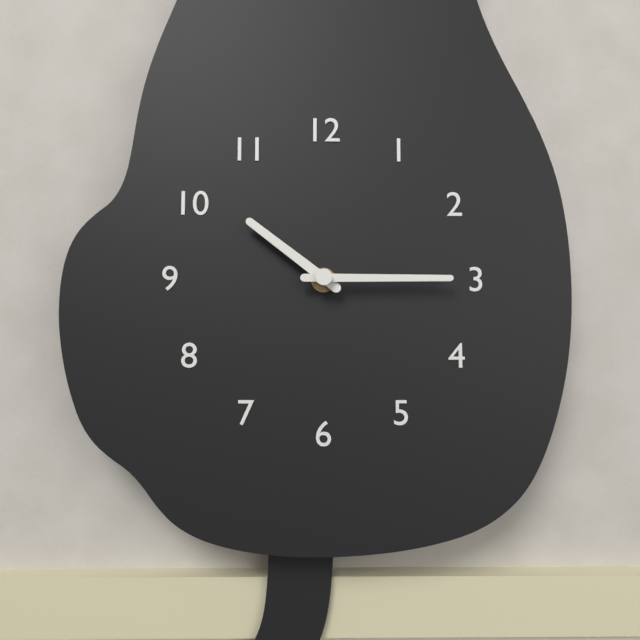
10:15
